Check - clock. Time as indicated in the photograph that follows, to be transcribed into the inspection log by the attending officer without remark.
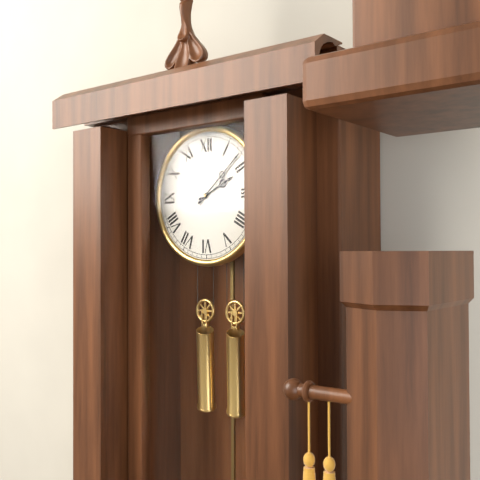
2:08
